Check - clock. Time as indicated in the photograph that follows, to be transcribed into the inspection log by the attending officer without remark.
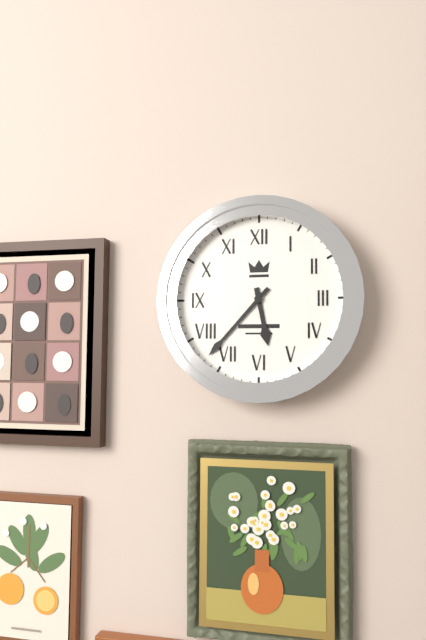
5:37
